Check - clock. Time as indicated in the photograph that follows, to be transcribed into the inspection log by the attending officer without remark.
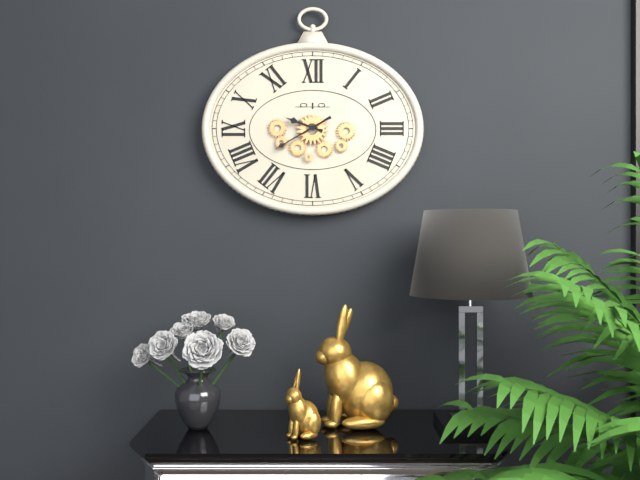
9:40
